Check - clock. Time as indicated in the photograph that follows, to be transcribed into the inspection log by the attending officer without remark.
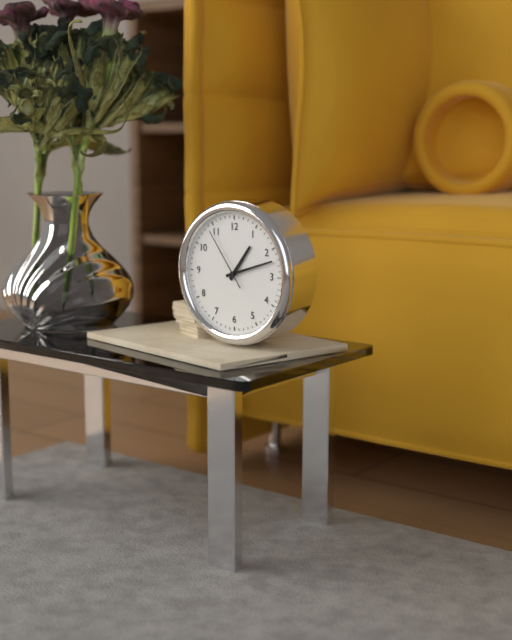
1:12:54
